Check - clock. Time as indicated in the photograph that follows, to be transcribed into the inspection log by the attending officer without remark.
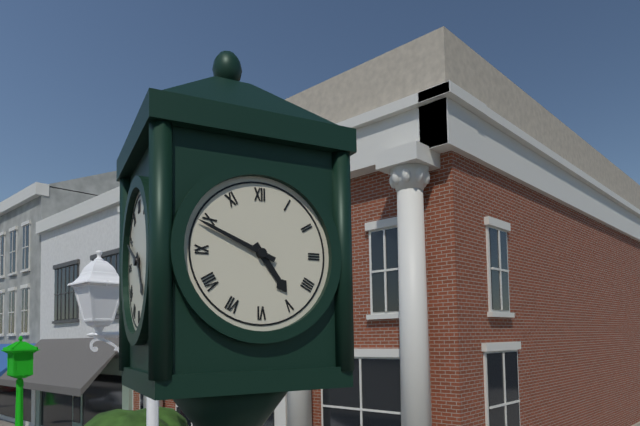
4:49
